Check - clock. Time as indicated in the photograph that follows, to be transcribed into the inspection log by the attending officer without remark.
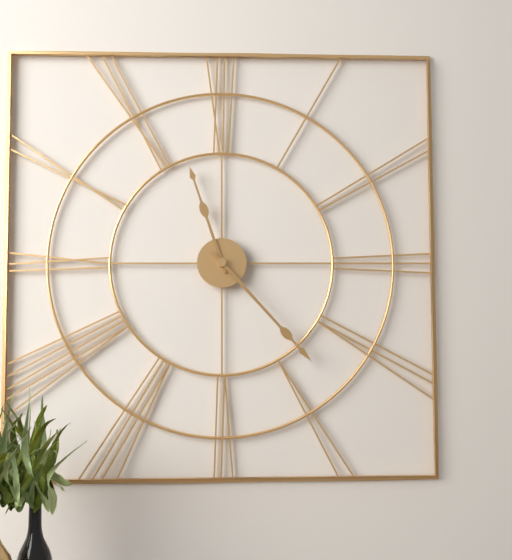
11:23
